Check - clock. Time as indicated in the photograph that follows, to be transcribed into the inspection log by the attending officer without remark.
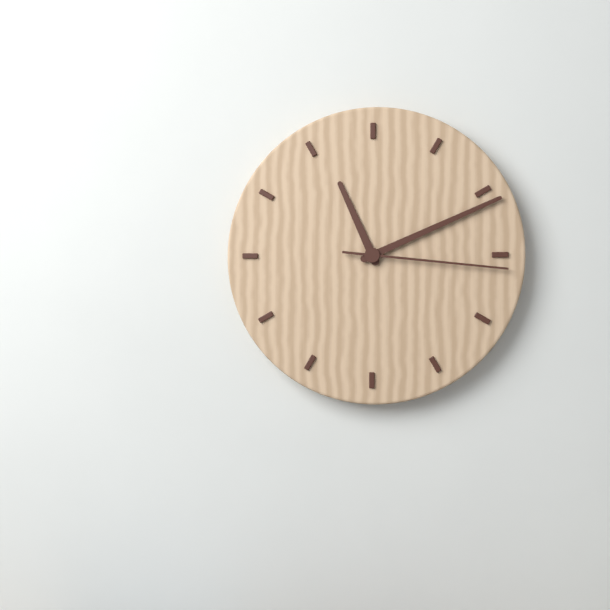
11:11:16
